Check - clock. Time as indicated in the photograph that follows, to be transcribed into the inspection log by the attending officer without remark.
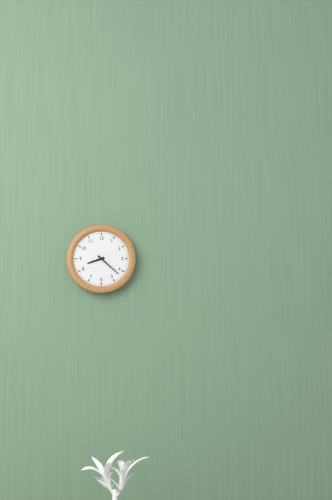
8:22
